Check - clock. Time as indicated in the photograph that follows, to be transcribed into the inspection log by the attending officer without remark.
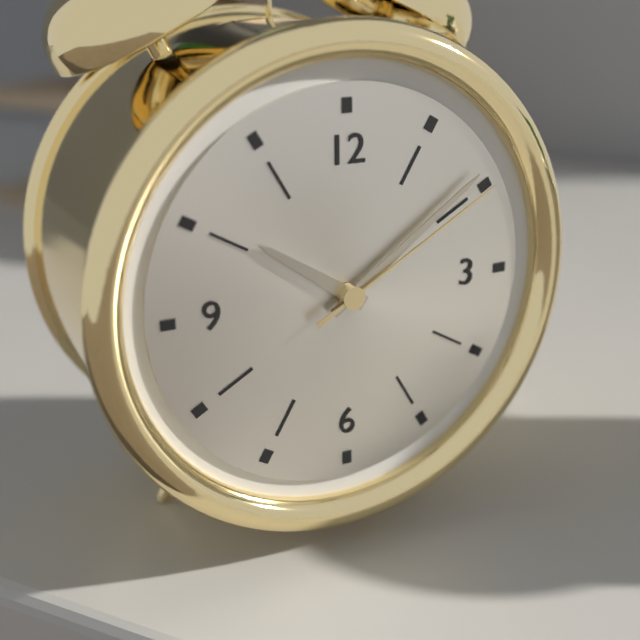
10:09:10
